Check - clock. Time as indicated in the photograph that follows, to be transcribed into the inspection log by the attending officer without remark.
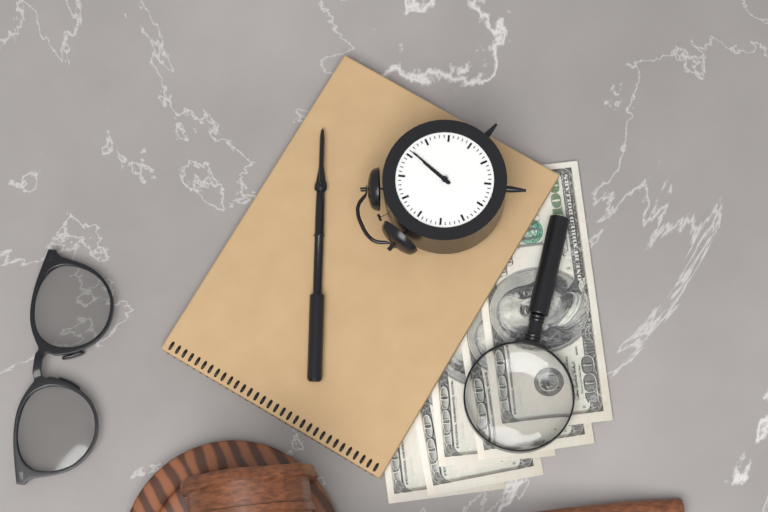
2:11
